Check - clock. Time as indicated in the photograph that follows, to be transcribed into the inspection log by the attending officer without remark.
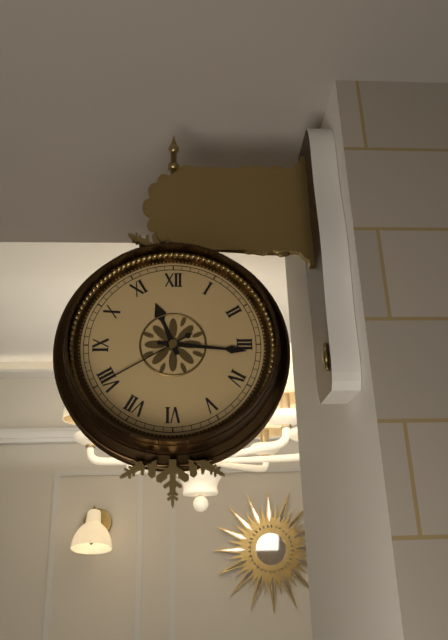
11:16:40
